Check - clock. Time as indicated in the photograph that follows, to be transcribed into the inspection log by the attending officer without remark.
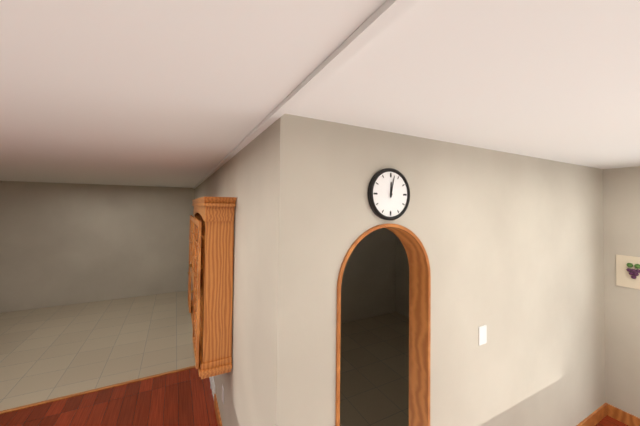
12:02
